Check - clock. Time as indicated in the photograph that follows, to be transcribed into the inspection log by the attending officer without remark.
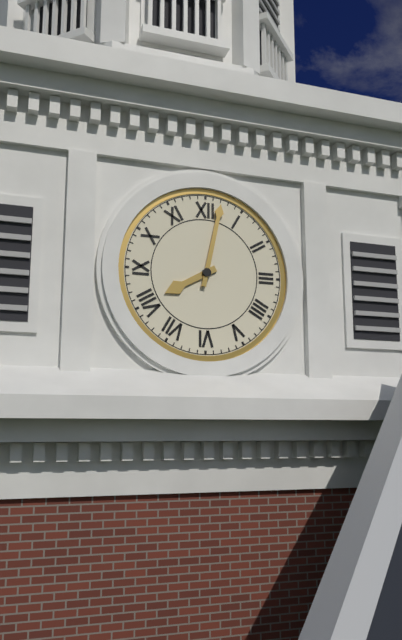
8:02
